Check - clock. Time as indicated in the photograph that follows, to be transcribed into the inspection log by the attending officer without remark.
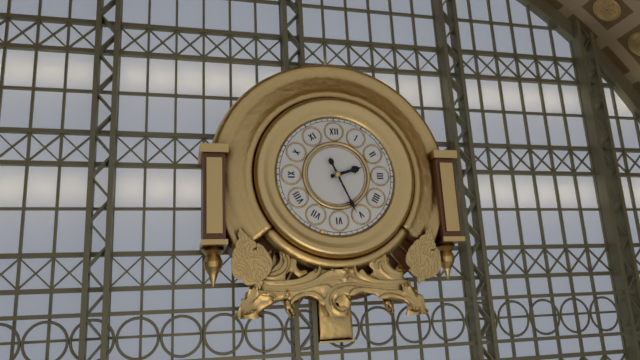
2:26
